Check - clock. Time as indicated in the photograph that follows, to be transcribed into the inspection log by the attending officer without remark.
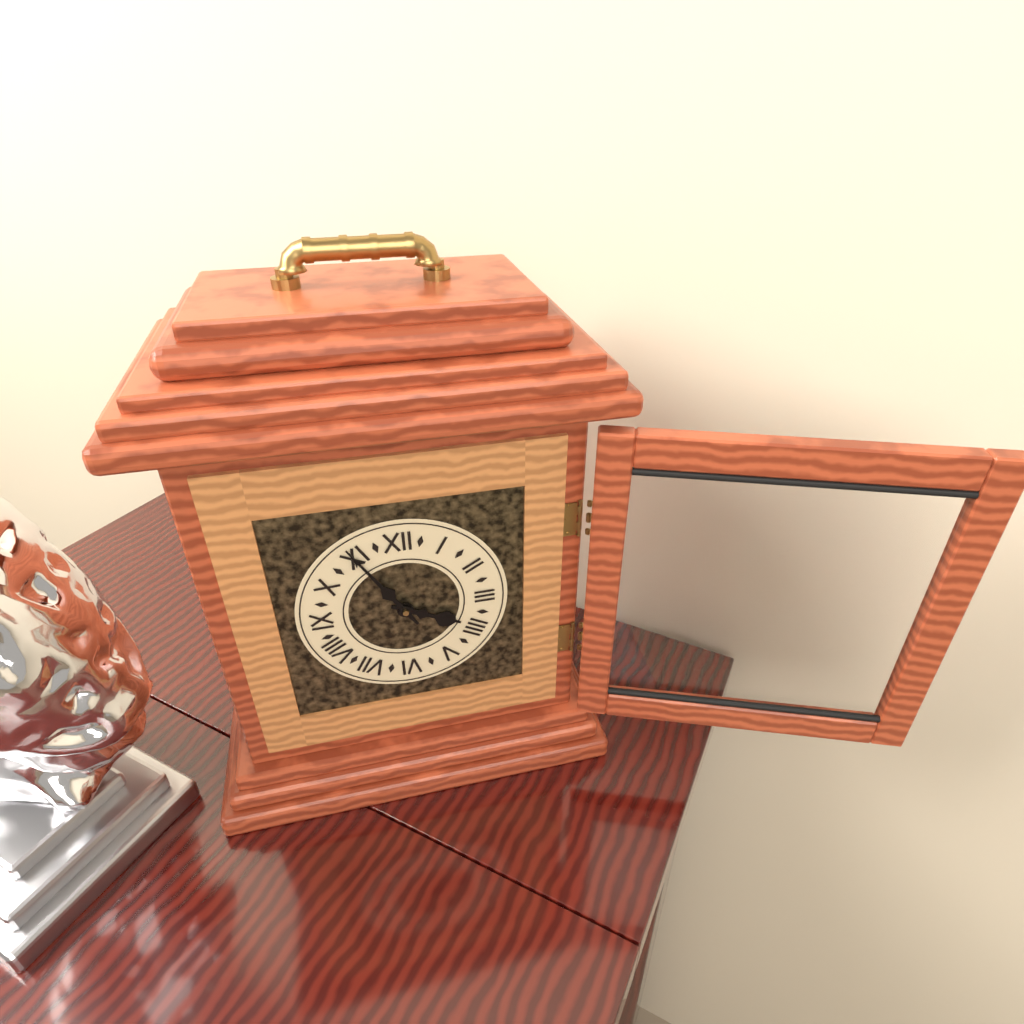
3:55
